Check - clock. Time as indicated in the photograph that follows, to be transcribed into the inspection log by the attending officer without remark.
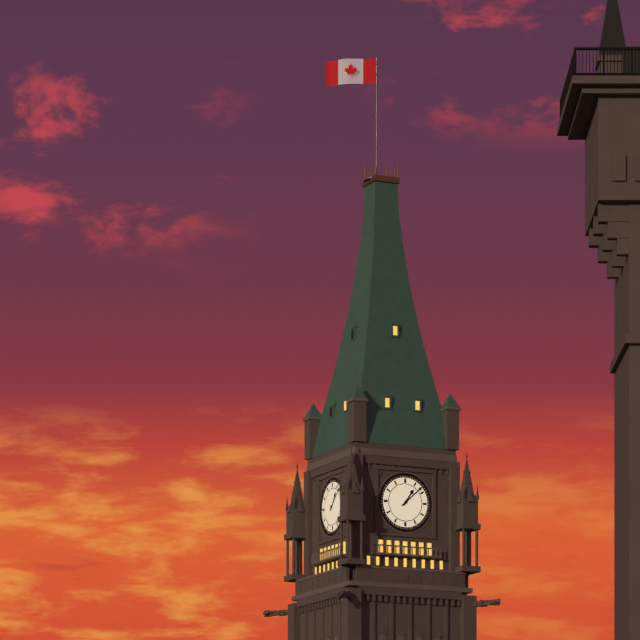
1:08
